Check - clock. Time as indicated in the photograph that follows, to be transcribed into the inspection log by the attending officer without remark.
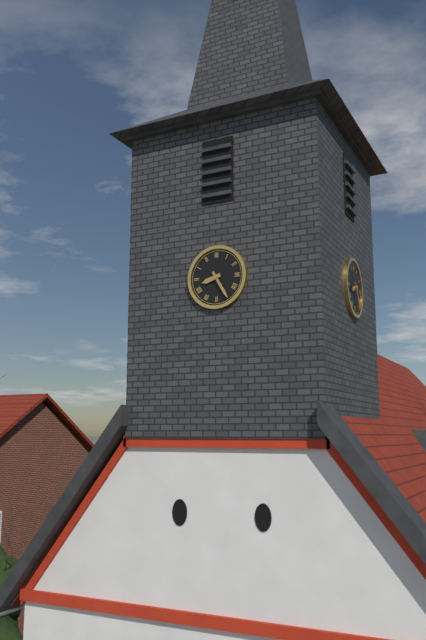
8:25
